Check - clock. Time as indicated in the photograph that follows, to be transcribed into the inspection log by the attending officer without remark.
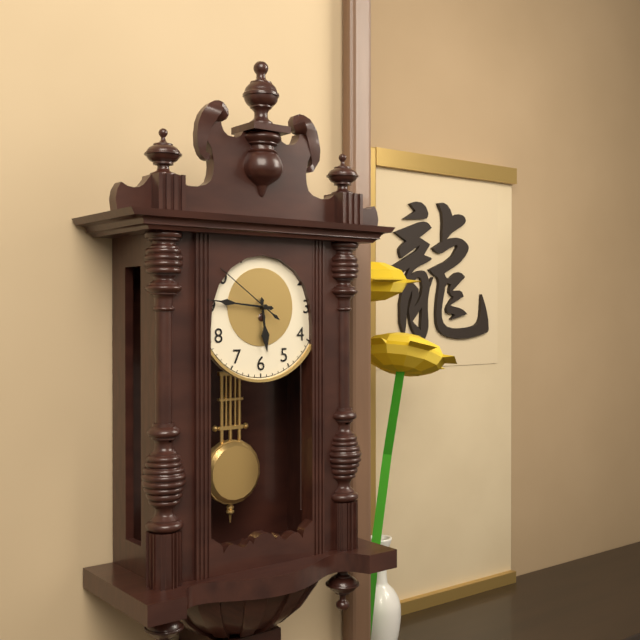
5:46:51
